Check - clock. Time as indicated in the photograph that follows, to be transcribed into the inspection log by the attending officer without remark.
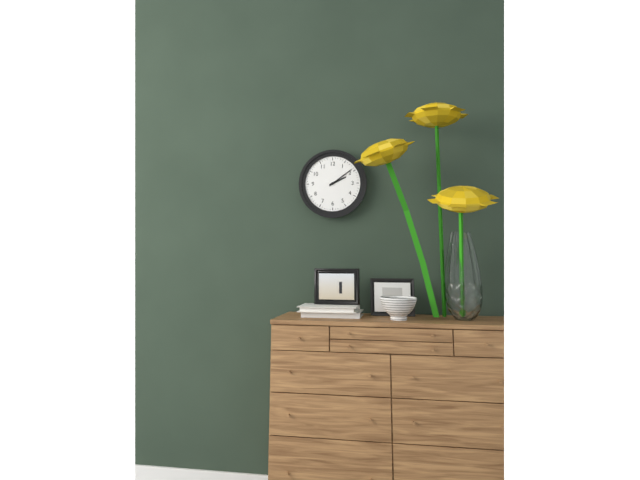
2:09
